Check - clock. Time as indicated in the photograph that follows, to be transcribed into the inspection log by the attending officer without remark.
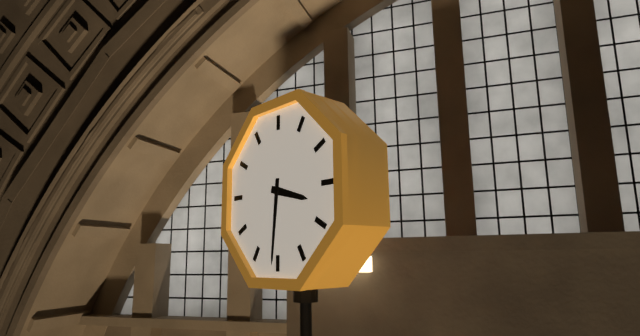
3:31
